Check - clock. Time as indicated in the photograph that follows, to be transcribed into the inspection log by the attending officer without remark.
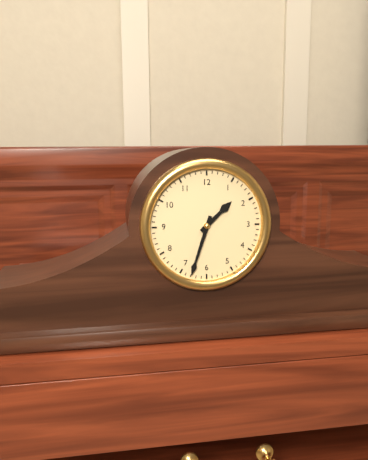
1:33
